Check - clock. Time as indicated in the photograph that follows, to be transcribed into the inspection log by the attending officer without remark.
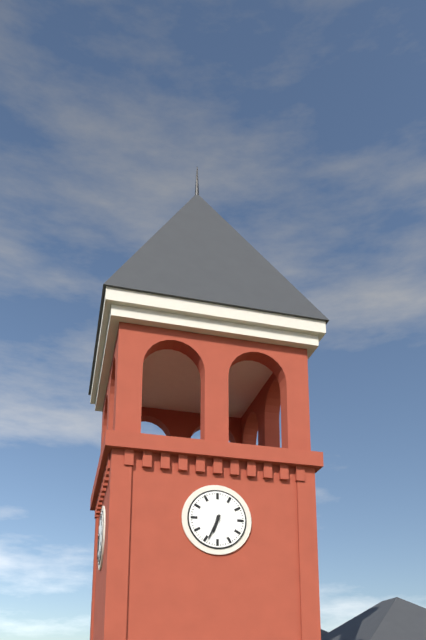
6:34
